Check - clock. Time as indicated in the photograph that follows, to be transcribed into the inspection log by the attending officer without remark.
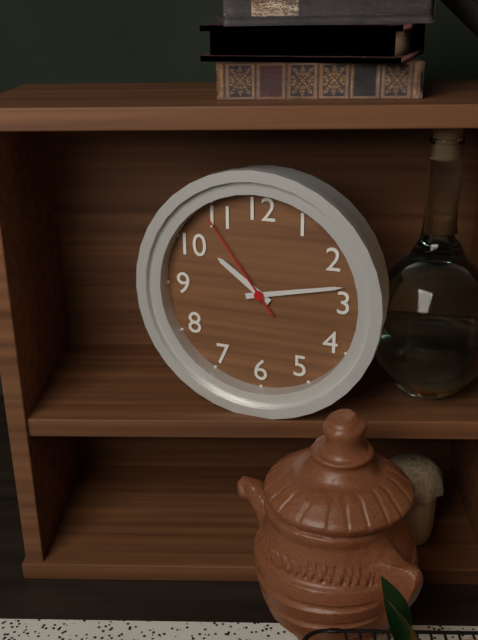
10:13:54
